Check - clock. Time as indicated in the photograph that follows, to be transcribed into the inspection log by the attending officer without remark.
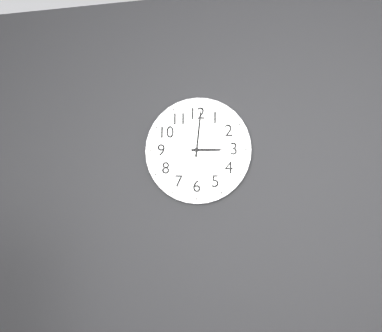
3:01
